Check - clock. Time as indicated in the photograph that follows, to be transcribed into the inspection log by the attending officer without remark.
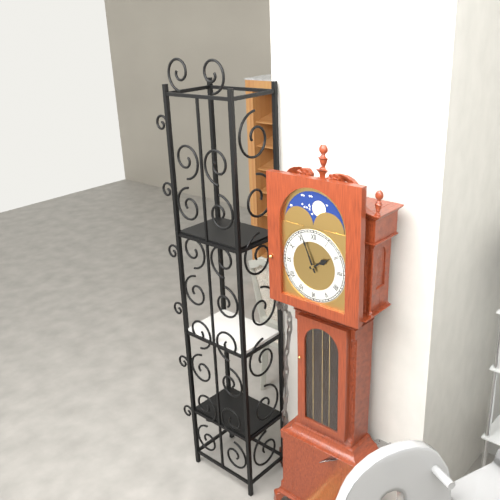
1:56
